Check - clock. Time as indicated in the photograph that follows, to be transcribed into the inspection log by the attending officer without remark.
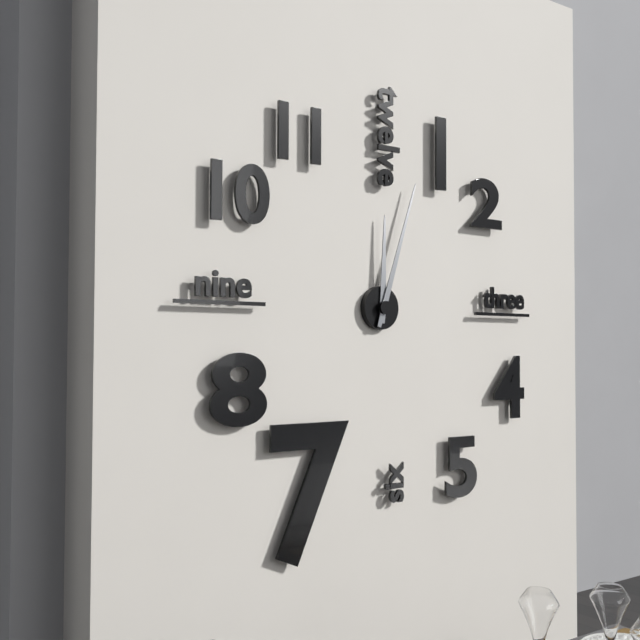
12:03
